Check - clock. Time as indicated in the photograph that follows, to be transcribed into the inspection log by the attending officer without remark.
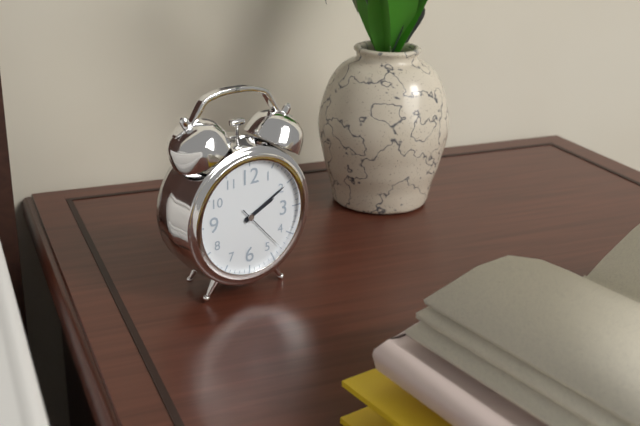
2:10:23
